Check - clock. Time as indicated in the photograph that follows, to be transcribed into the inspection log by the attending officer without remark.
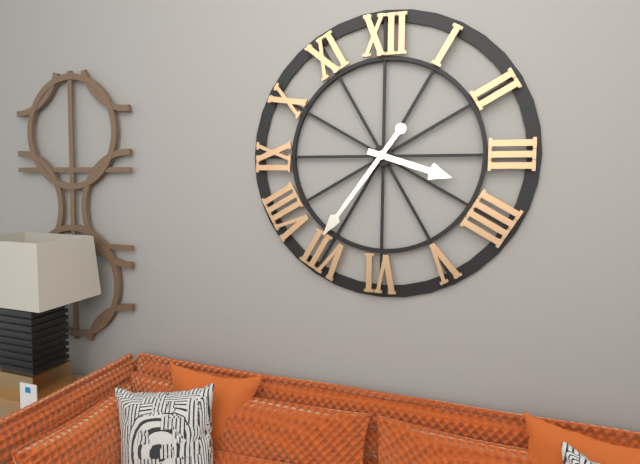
3:36
